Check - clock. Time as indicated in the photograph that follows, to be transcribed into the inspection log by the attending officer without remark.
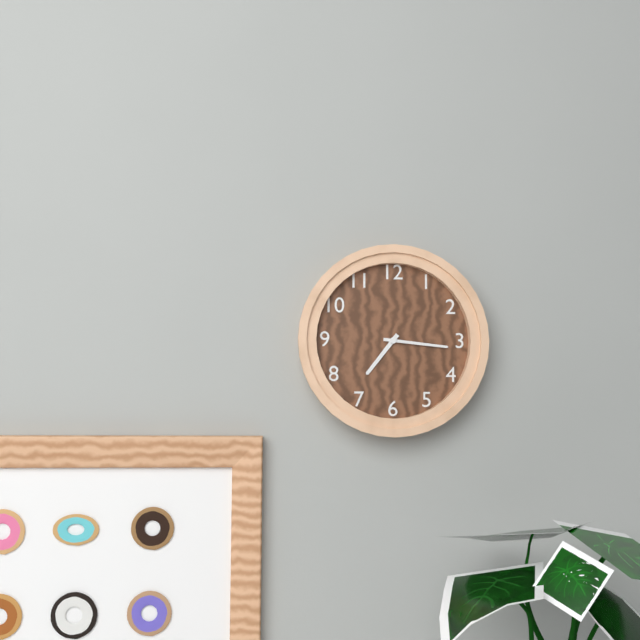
7:16
